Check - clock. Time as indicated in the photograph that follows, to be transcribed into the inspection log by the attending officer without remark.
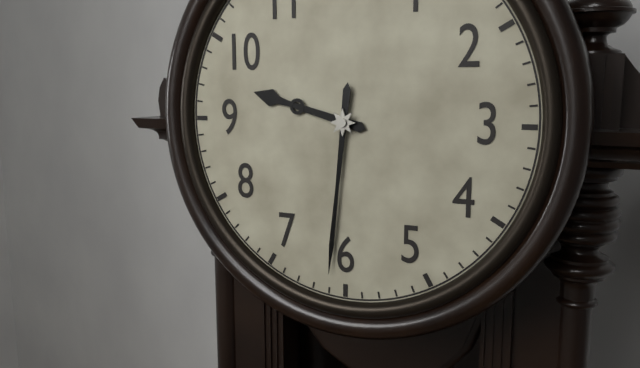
9:31
